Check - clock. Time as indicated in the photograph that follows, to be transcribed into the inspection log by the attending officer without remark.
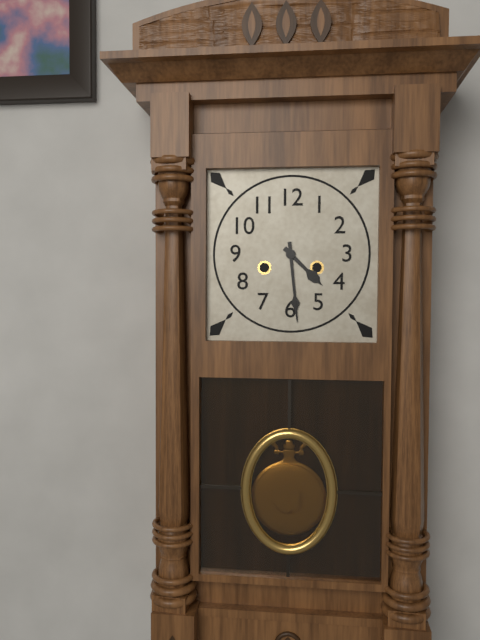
4:29
